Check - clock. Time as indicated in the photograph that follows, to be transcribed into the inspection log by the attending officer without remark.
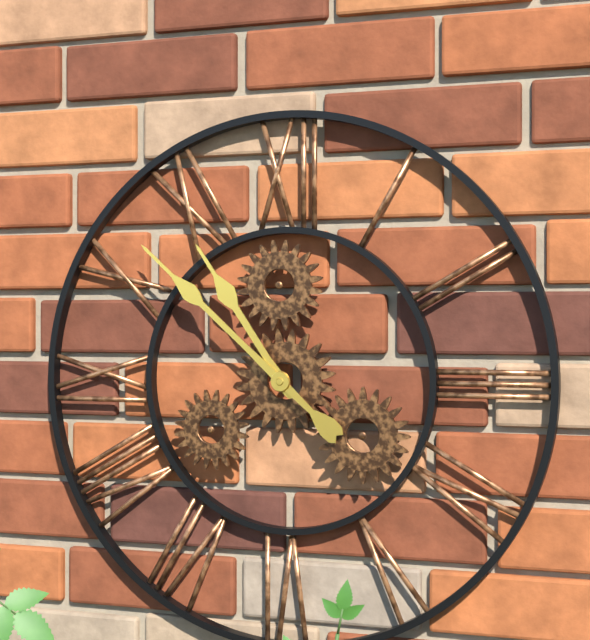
10:52
